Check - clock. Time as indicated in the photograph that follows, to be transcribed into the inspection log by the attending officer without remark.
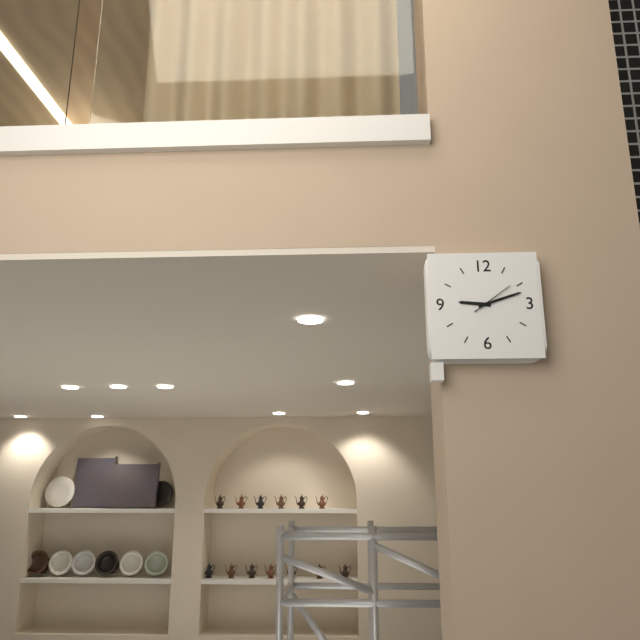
9:12
